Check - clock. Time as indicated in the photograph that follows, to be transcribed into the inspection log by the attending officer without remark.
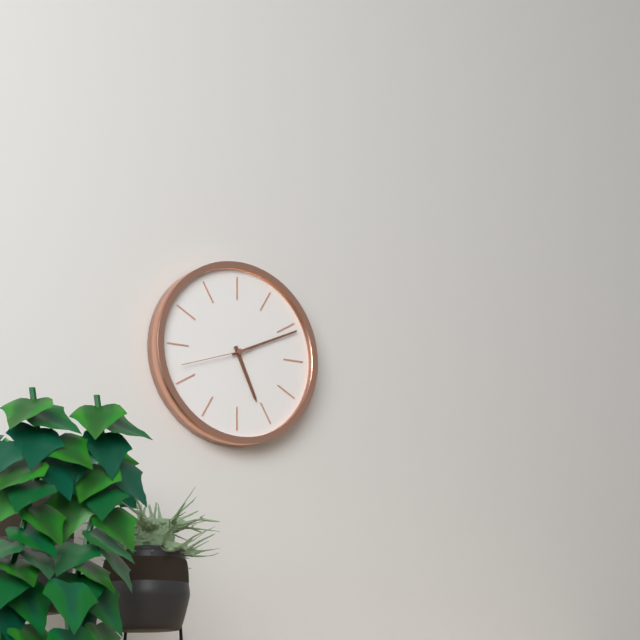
5:11:42
